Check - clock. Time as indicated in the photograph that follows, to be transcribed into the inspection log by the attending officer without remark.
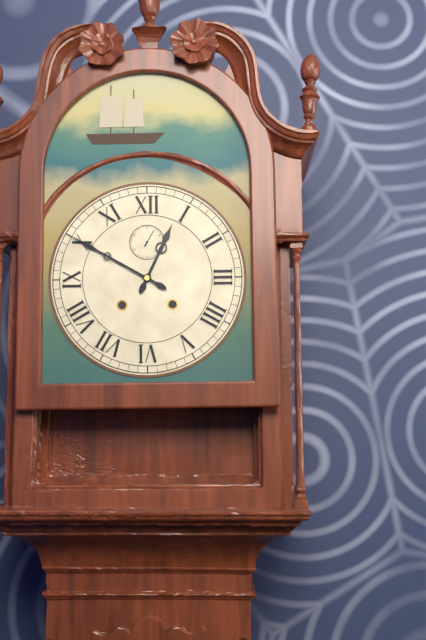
12:50
